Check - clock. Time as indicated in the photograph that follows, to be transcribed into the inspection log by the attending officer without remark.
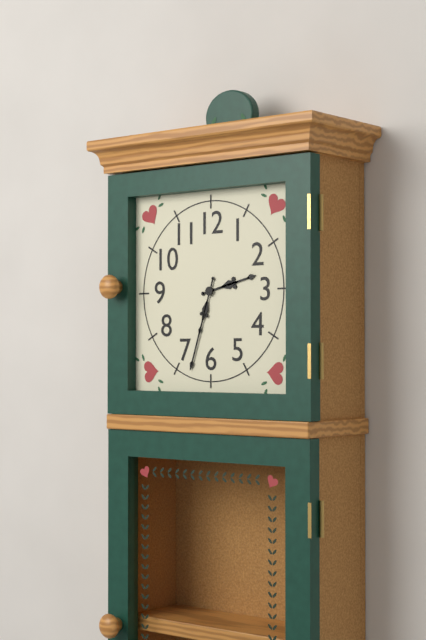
2:33
